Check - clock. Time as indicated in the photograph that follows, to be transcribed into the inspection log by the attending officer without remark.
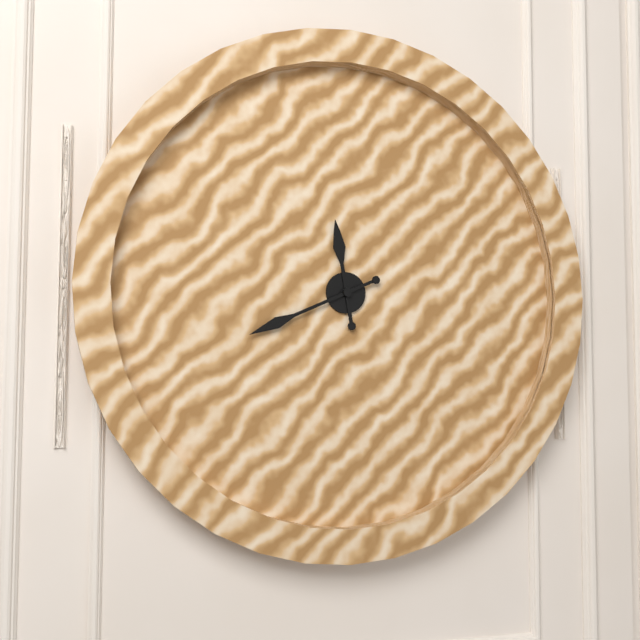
11:41
